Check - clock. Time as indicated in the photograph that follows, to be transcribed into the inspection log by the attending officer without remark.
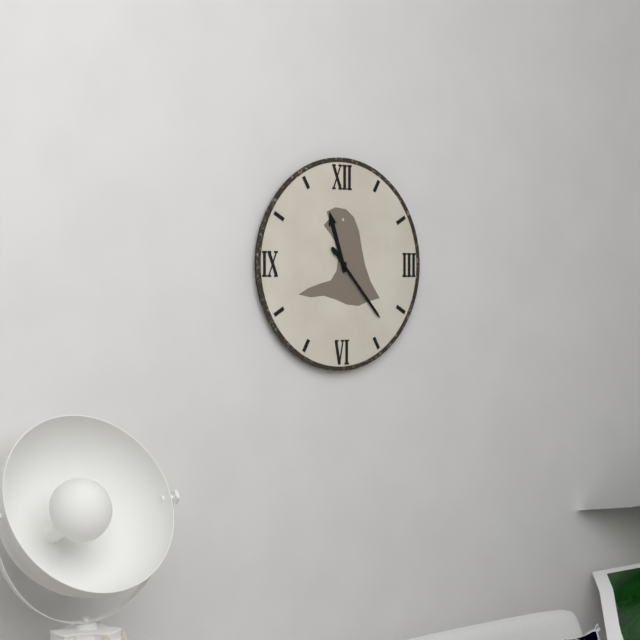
11:23
